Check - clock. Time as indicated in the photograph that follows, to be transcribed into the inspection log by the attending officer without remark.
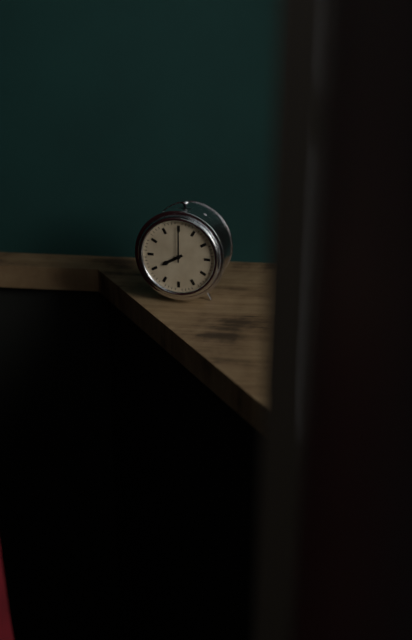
8:00
